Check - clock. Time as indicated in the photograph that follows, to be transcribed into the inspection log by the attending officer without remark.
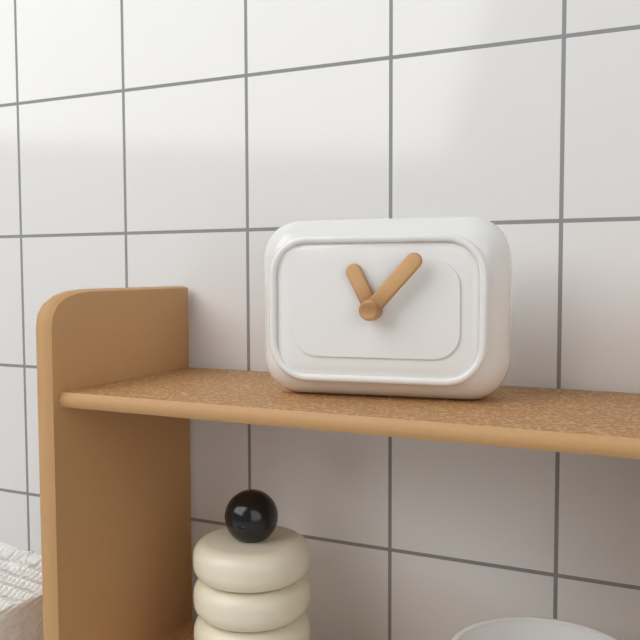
11:07
